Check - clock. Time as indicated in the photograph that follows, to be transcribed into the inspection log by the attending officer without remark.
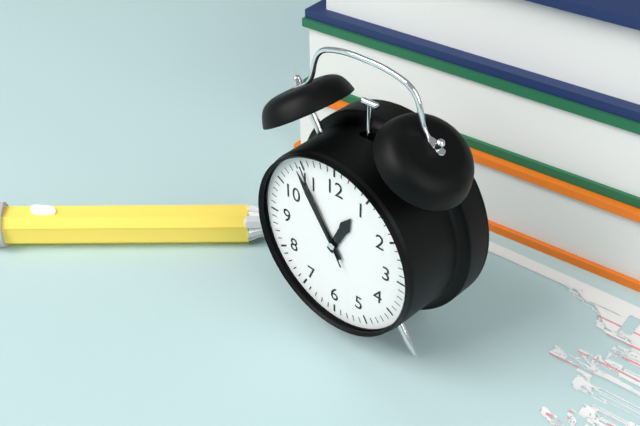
12:54:55
